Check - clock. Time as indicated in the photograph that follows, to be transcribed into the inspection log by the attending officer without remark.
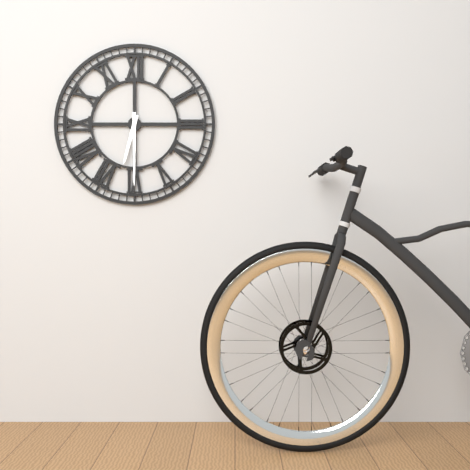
6:30
